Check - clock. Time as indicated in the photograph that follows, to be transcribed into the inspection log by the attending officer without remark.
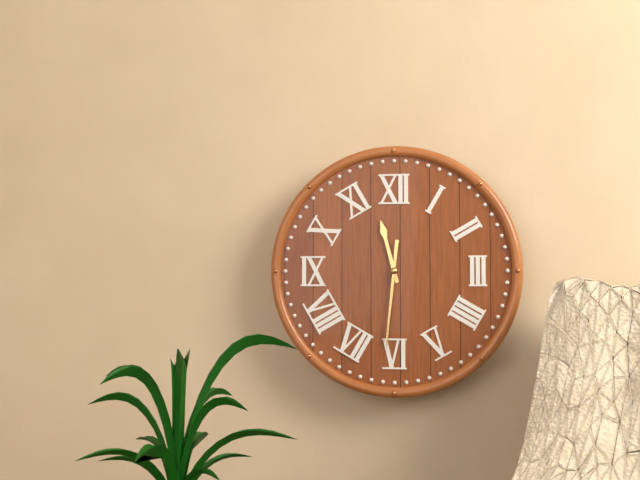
11:31
